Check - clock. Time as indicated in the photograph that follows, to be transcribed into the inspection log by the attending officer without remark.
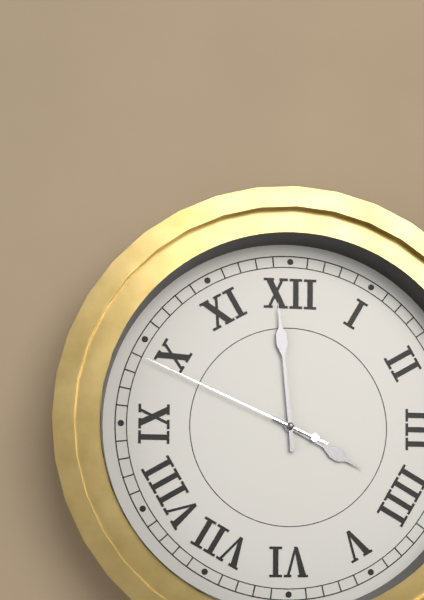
3:59:49
